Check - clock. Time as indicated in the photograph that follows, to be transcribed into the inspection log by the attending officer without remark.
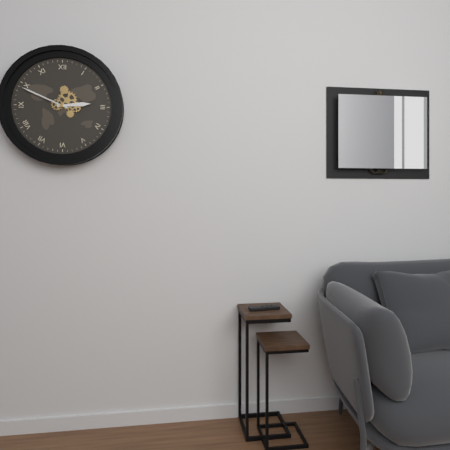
2:49
